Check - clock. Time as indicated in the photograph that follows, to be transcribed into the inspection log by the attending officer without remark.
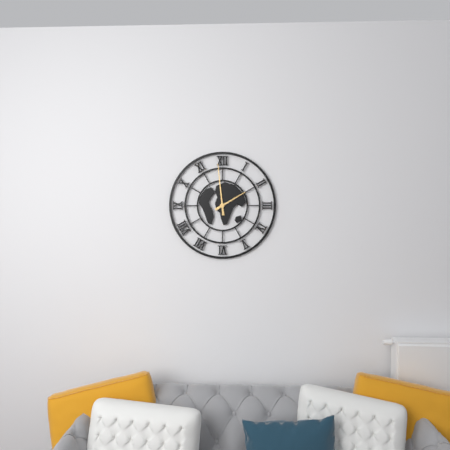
1:59
